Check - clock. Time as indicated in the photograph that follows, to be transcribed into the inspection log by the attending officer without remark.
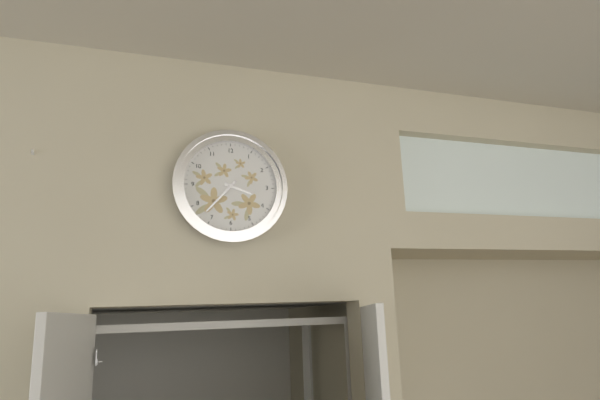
3:37
